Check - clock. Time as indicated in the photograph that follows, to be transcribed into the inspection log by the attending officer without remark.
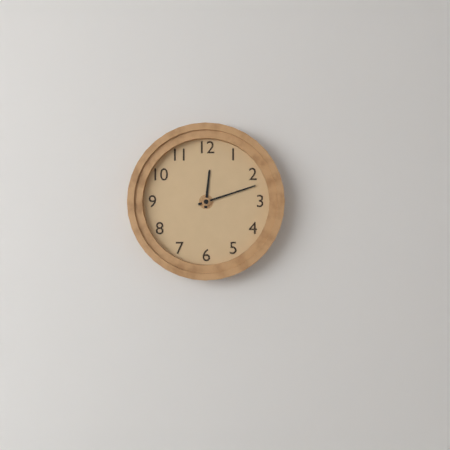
12:12
